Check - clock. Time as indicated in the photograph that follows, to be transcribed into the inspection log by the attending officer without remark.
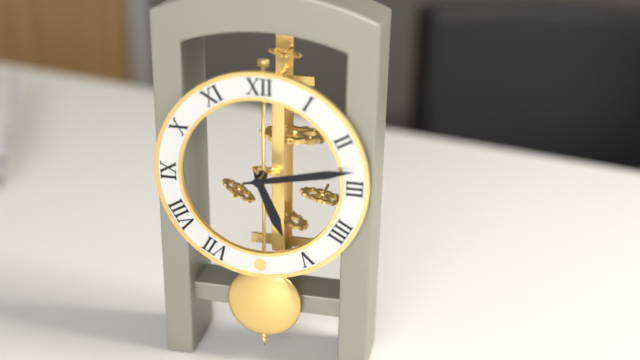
5:13
